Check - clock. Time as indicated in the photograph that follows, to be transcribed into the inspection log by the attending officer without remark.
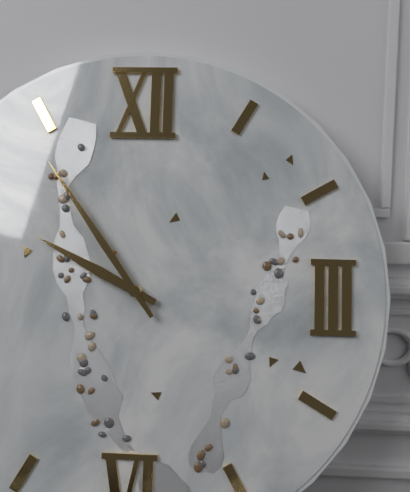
9:54
